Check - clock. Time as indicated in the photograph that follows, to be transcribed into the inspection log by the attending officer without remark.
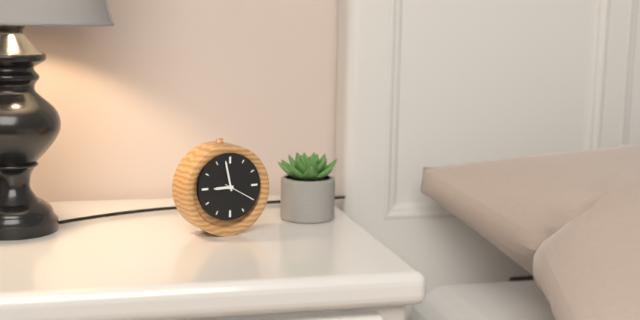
8:58
